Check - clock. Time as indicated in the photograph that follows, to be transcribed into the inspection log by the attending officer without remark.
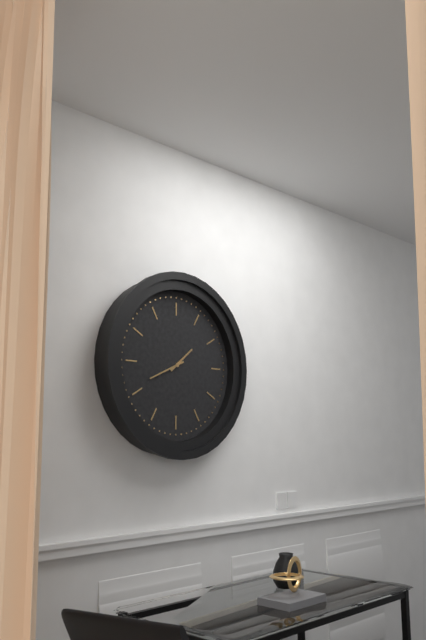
1:41
